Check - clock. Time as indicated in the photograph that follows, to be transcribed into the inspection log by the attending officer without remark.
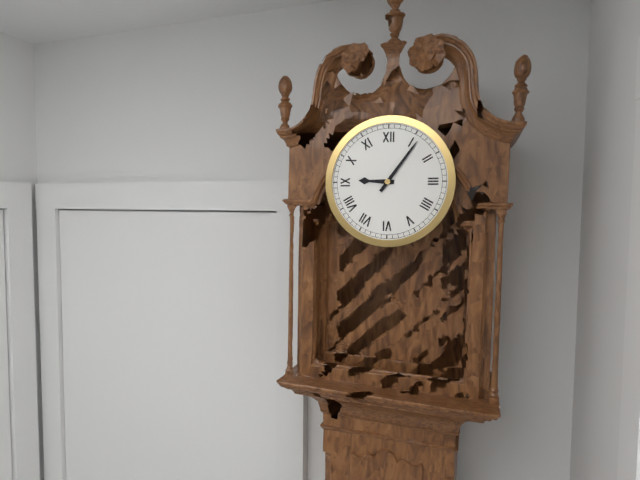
9:06
